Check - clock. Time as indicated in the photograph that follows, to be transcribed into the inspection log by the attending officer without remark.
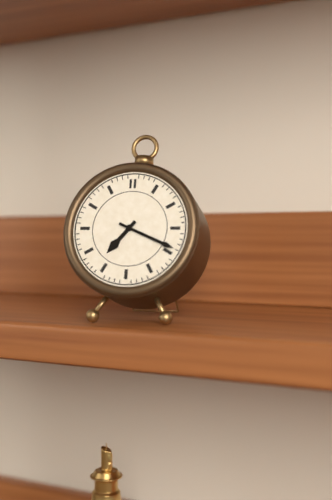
7:19
